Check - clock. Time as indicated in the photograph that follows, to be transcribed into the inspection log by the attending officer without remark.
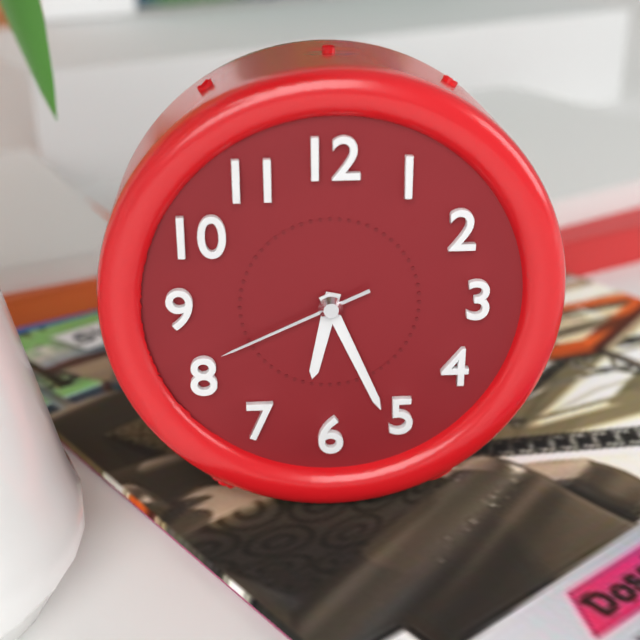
6:26:41
